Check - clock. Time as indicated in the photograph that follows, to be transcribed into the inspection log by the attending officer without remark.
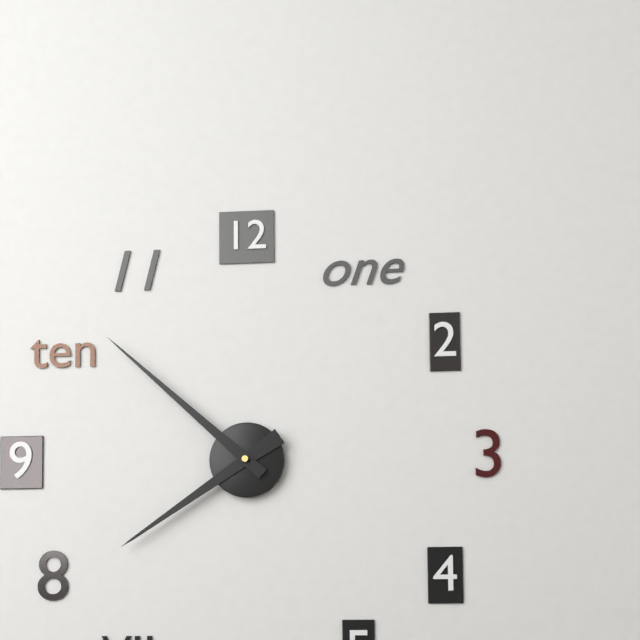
7:52
